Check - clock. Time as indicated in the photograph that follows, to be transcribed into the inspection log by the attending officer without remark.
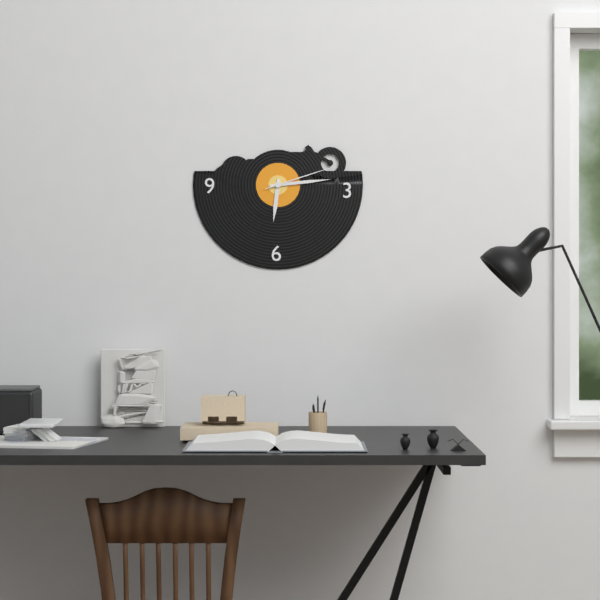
6:14:12
